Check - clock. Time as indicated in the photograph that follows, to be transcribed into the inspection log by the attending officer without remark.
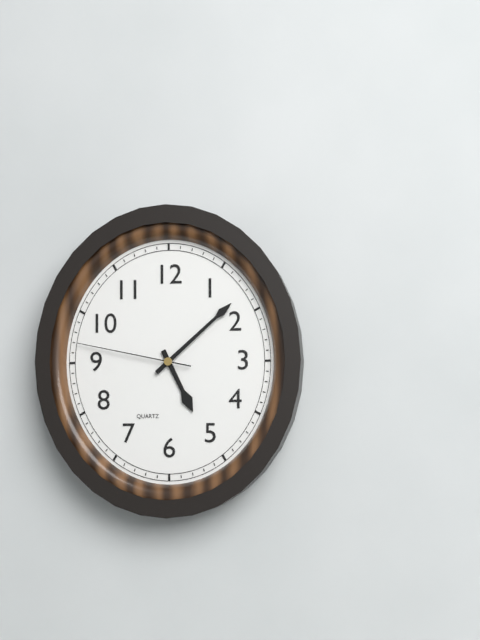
5:08:47
